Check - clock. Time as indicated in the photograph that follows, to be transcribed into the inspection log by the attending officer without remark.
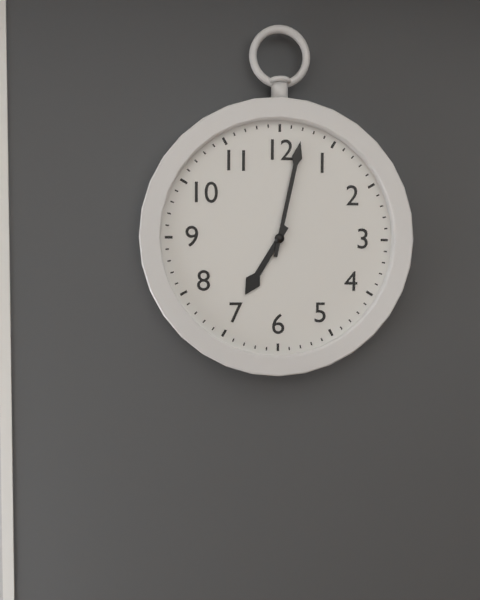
7:02
